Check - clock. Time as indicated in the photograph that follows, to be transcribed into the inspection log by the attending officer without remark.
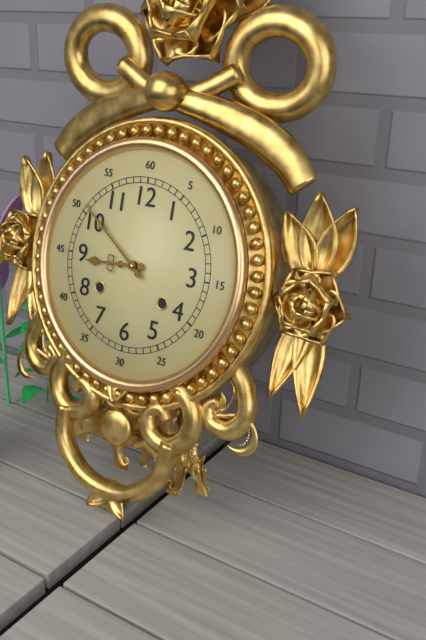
8:51
